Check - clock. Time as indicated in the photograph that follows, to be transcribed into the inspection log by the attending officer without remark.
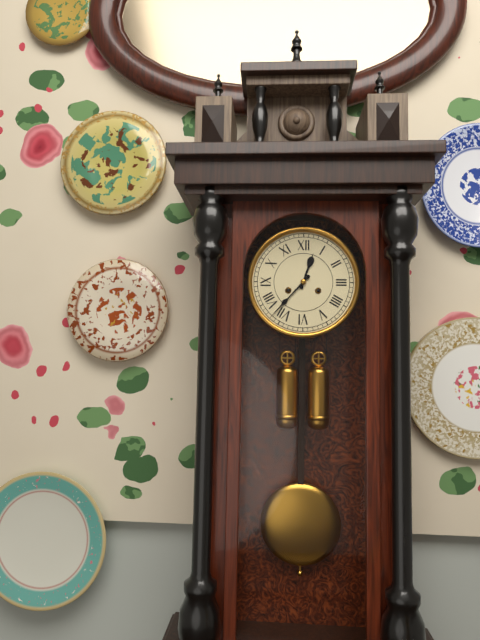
12:37
